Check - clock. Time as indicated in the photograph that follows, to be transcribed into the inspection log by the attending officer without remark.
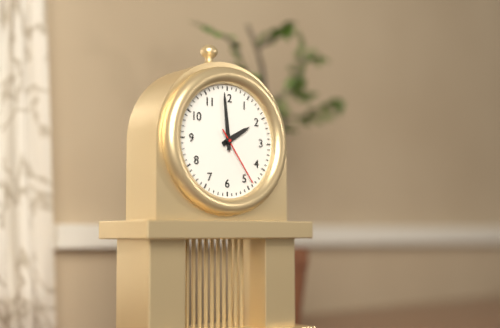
1:59:24
